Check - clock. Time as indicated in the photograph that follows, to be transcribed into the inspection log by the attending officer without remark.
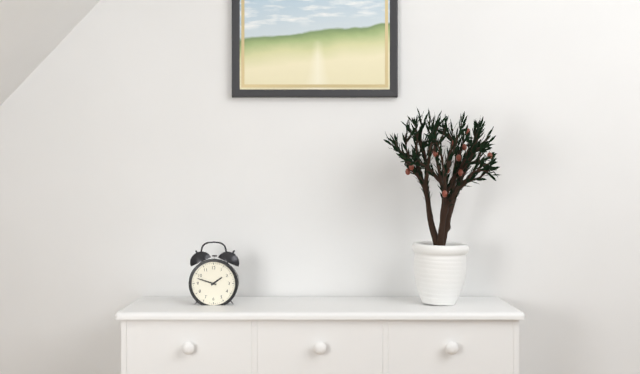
1:48
